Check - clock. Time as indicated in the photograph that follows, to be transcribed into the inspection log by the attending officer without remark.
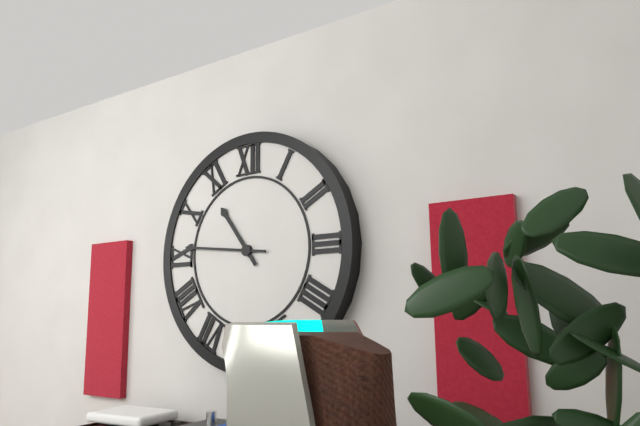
10:46
